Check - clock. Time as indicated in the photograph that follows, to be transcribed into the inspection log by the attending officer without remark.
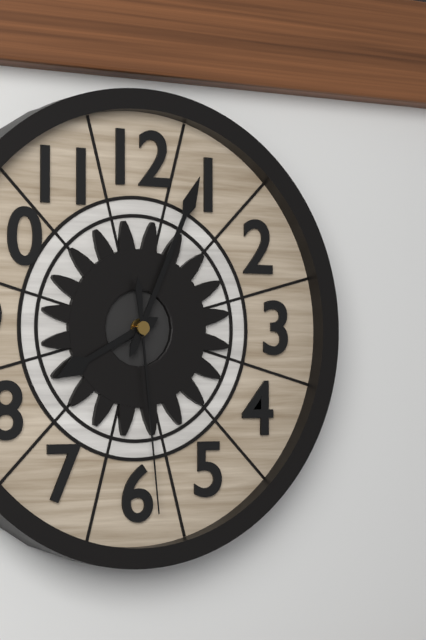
8:04:29
